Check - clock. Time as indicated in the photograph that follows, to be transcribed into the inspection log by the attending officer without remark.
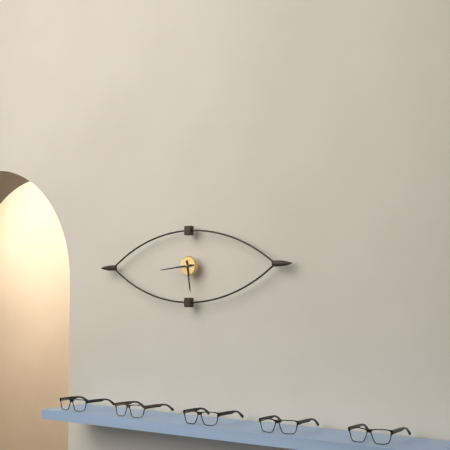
5:44
